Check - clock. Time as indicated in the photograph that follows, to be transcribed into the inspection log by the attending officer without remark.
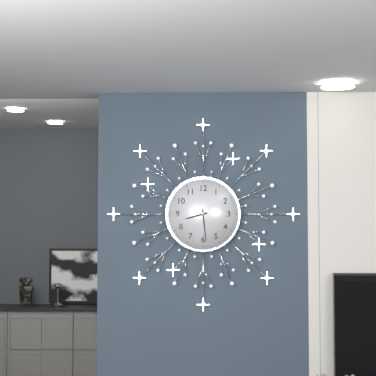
8:29
